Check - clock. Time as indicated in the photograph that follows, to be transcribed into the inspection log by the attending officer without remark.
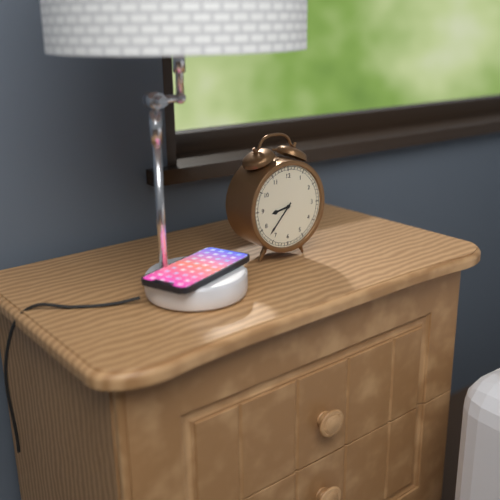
8:37
